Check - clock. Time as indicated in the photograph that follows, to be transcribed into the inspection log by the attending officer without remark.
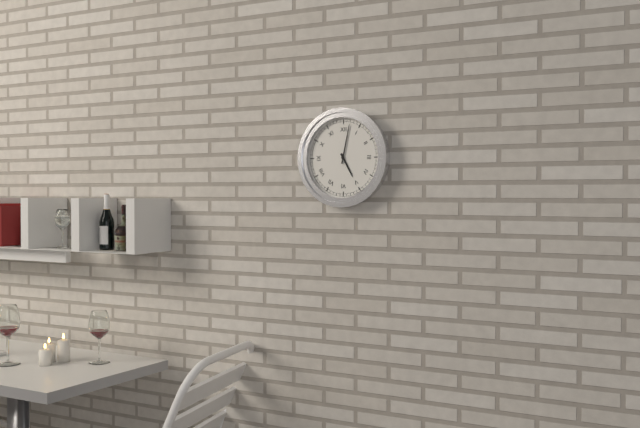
5:02
